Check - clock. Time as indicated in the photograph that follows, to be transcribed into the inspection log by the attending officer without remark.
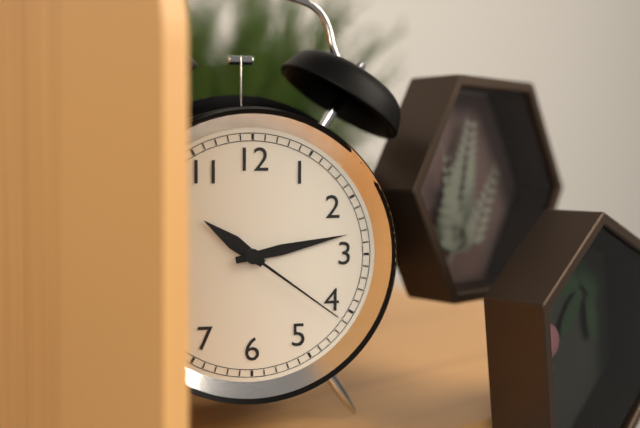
10:13:21
